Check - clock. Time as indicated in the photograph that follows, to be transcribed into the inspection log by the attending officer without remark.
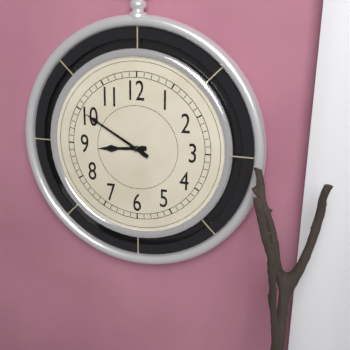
8:50
